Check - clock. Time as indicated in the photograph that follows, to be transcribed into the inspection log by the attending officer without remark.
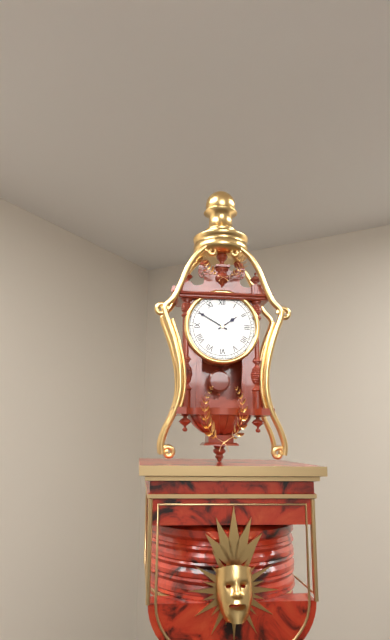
1:50
